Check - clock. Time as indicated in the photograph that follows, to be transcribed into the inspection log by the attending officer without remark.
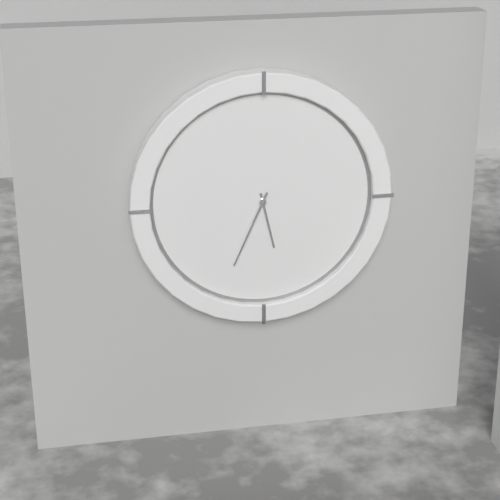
5:34
